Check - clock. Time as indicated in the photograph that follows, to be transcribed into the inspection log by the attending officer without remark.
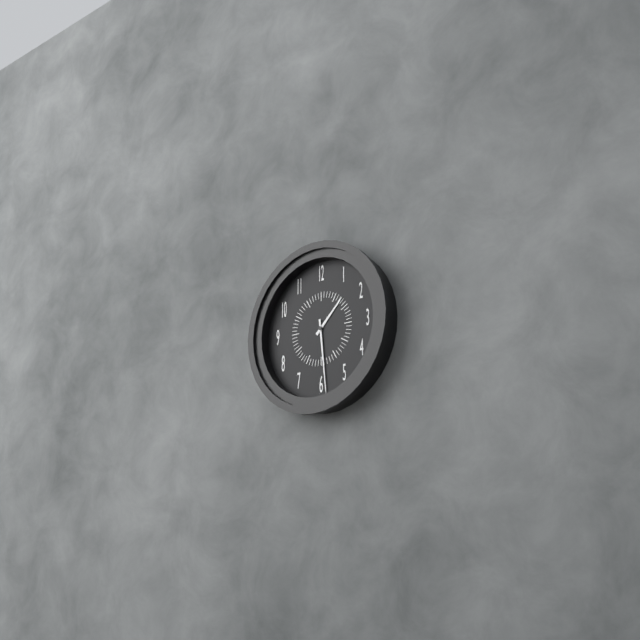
1:29
